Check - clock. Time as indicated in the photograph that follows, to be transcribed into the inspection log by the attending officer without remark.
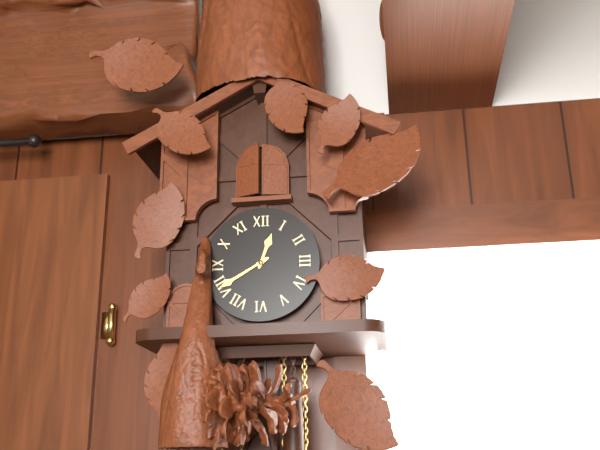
12:40
